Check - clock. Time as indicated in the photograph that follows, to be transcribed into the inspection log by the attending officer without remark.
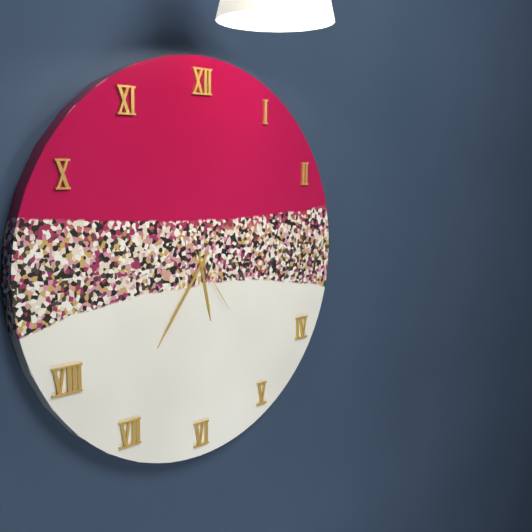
5:36:24
